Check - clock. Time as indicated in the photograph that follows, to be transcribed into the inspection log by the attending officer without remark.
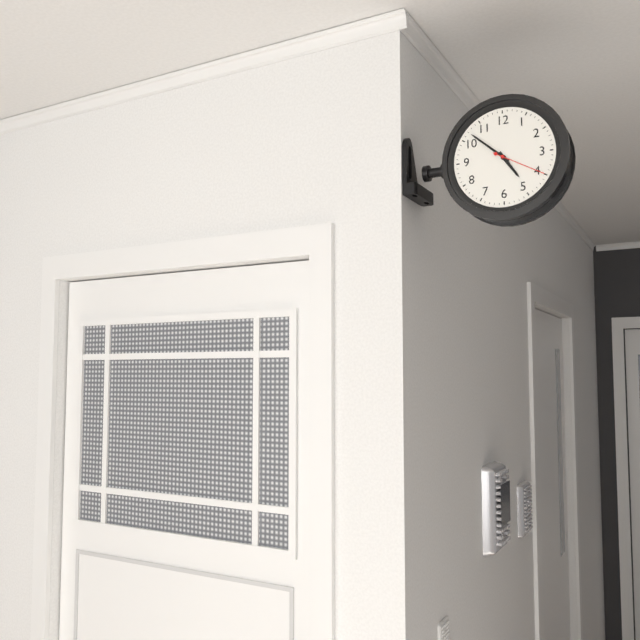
4:52:20
